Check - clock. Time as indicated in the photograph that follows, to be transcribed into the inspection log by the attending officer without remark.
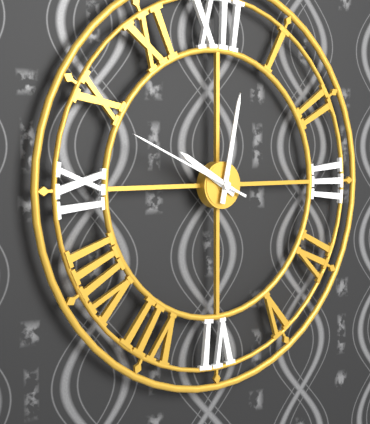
10:02:49
